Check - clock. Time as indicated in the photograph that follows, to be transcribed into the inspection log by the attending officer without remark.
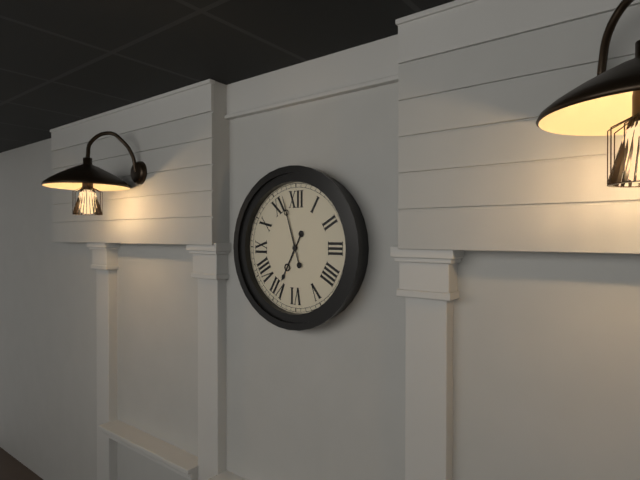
6:57
